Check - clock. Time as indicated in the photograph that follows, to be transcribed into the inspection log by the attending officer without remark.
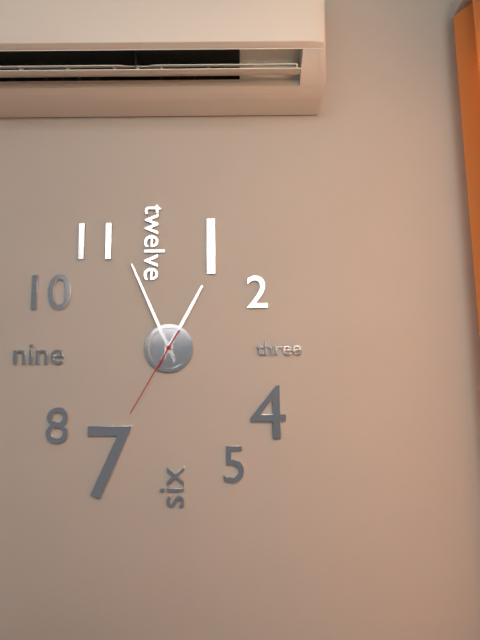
12:56:35
